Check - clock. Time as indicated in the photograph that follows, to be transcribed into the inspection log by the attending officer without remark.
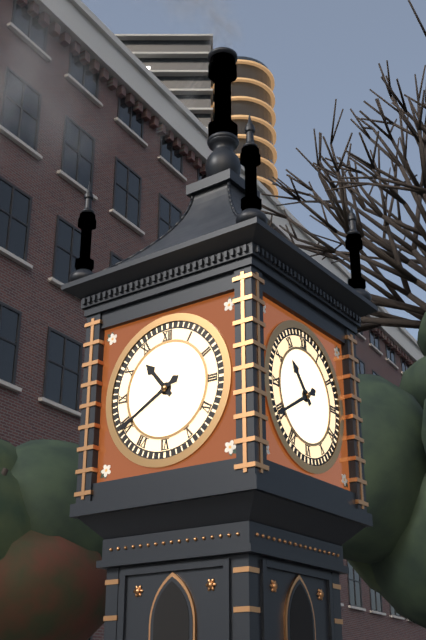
10:40
